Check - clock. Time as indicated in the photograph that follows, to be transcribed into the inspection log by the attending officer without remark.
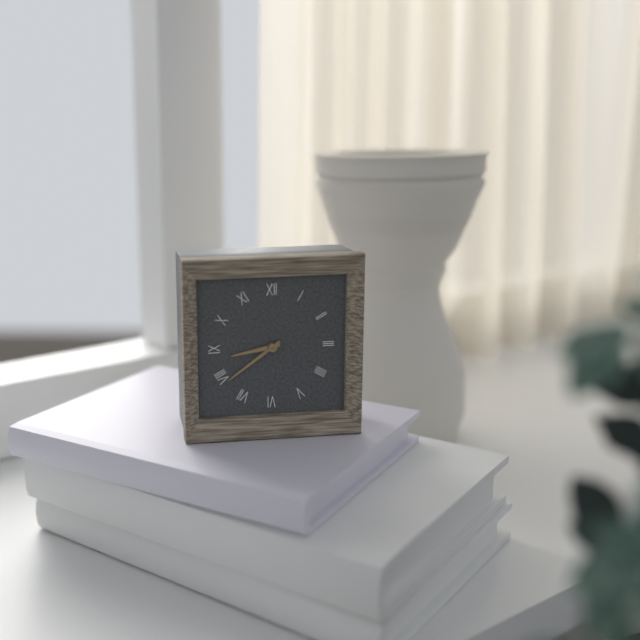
8:39
